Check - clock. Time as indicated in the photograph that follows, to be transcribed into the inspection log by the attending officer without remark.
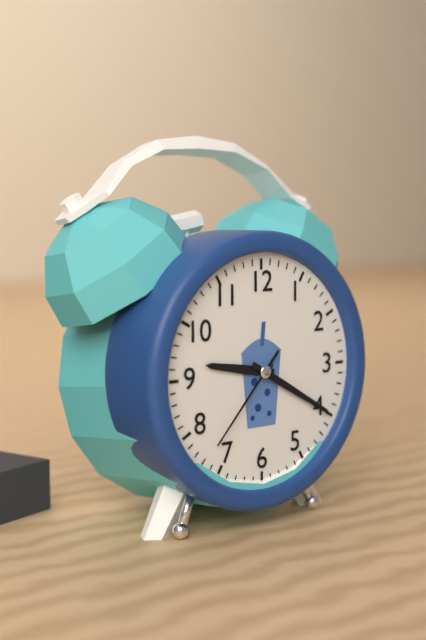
9:20:37
